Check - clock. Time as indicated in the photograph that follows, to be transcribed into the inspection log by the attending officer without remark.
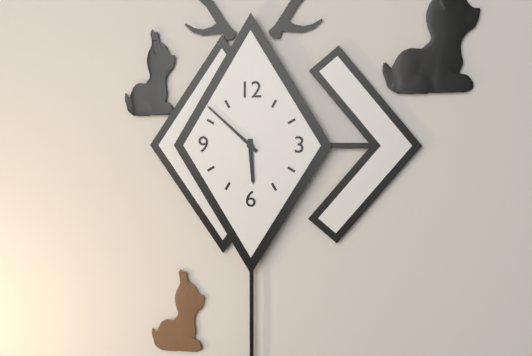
5:52
